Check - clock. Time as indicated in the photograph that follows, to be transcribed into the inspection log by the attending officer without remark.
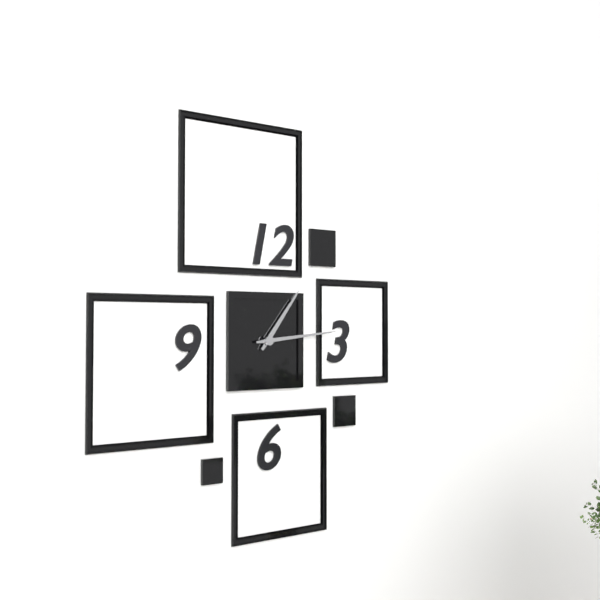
1:14
